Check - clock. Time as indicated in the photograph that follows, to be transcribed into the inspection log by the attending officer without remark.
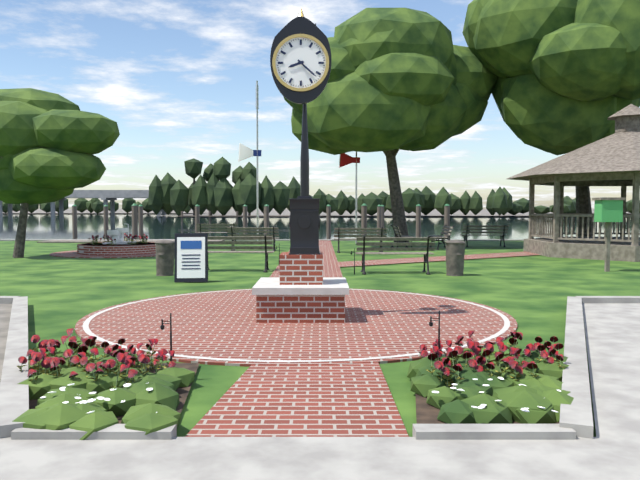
8:22
